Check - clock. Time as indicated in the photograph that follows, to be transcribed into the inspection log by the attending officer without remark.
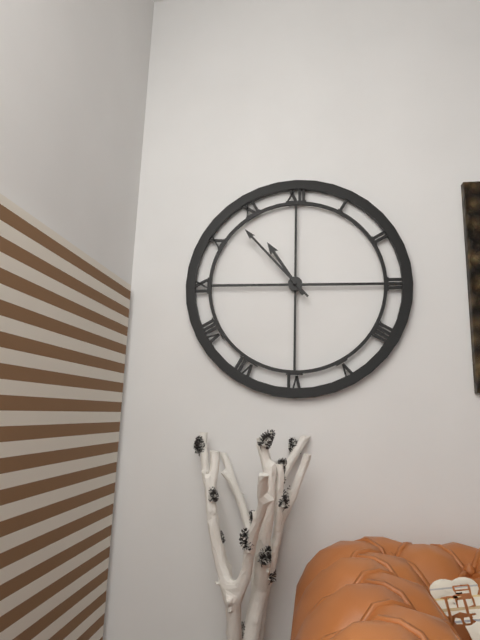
10:53
